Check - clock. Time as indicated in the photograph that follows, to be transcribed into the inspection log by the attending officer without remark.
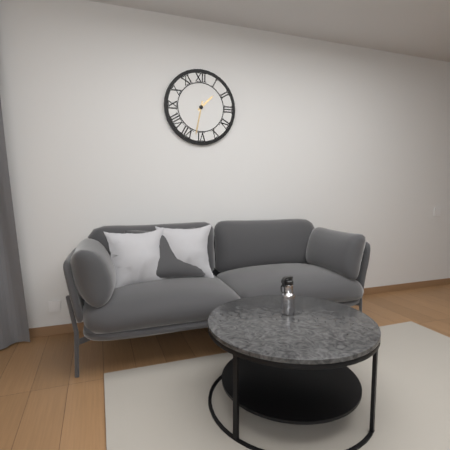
1:32
